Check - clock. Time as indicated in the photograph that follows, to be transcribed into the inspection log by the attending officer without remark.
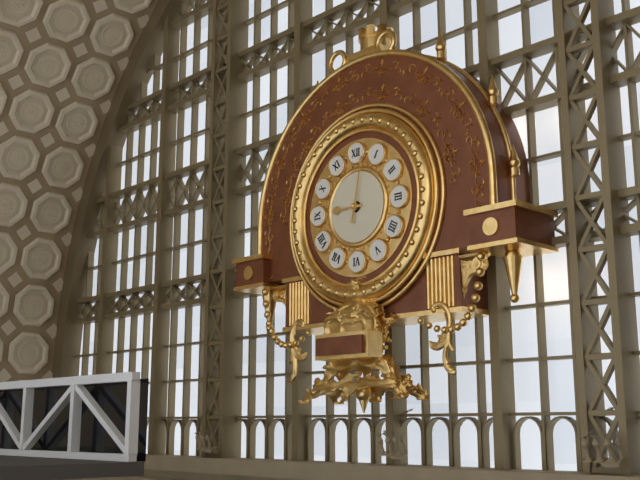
9:02
